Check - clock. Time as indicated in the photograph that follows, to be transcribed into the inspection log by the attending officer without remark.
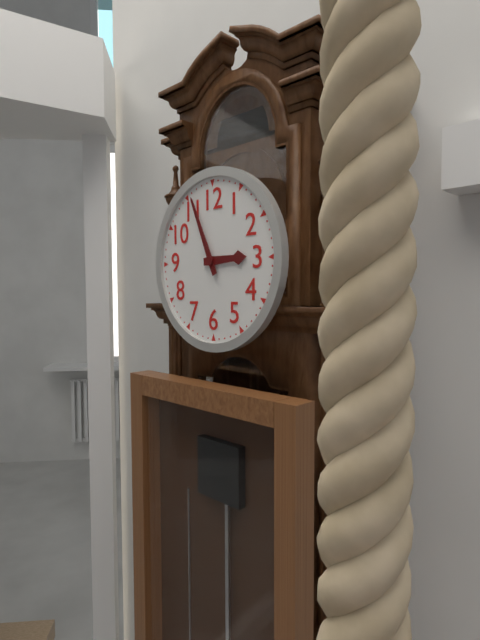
2:56
